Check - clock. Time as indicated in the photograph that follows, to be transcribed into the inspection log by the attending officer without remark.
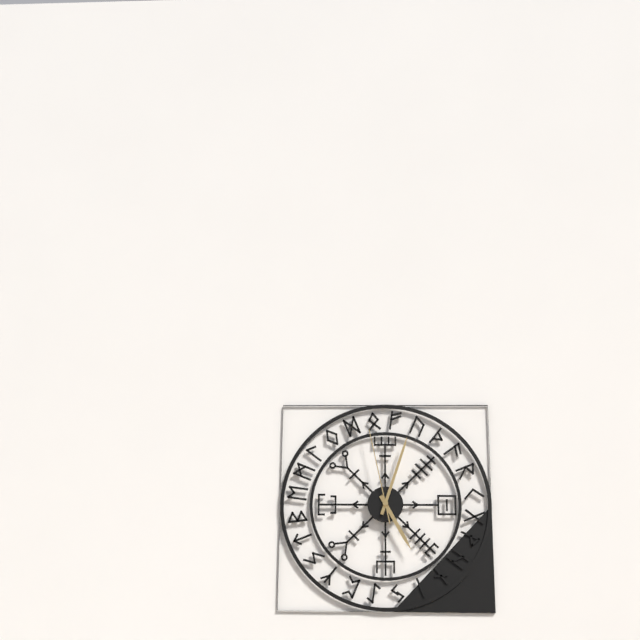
5:03:58
